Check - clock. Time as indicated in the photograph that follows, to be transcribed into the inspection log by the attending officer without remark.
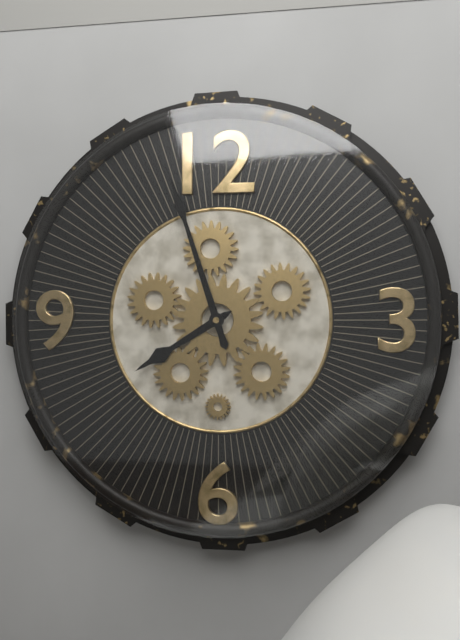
7:57
